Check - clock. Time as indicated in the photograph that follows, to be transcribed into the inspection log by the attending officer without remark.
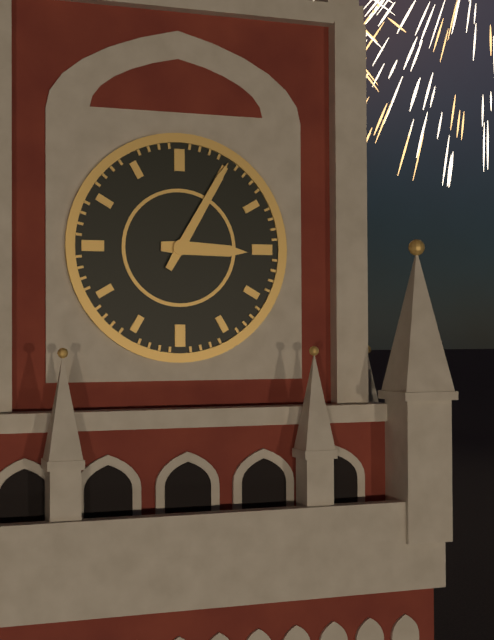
3:05
